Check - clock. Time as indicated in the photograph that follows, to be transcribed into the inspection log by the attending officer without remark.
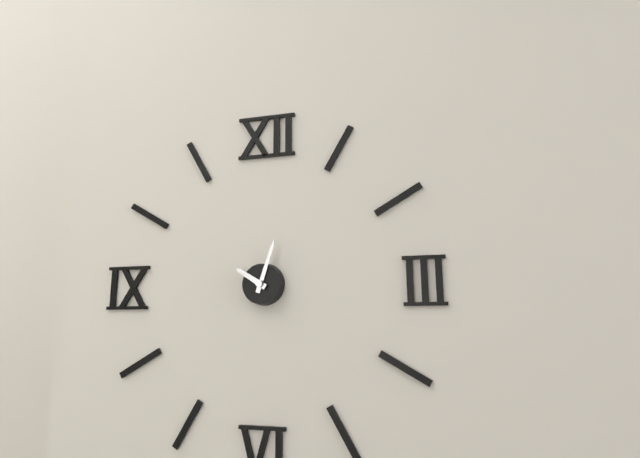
10:03
